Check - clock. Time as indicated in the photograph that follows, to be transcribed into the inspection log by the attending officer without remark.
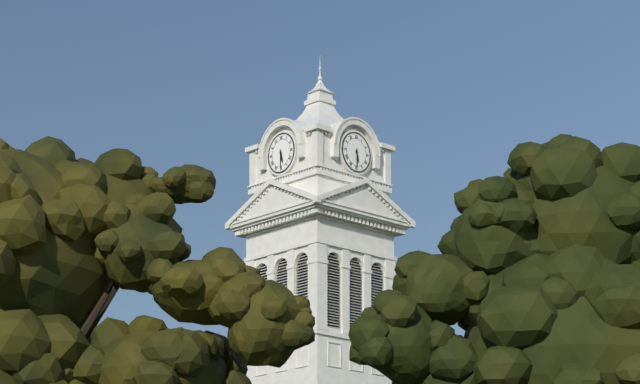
5:30
